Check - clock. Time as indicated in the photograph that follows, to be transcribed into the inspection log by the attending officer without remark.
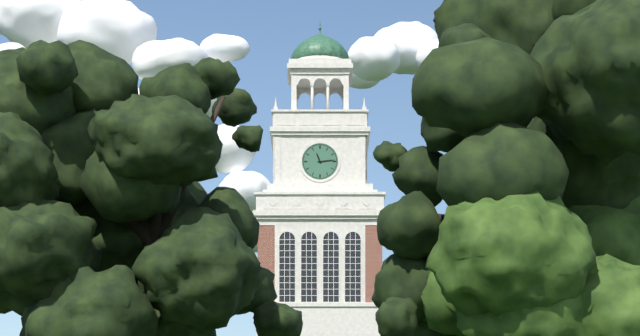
11:14
